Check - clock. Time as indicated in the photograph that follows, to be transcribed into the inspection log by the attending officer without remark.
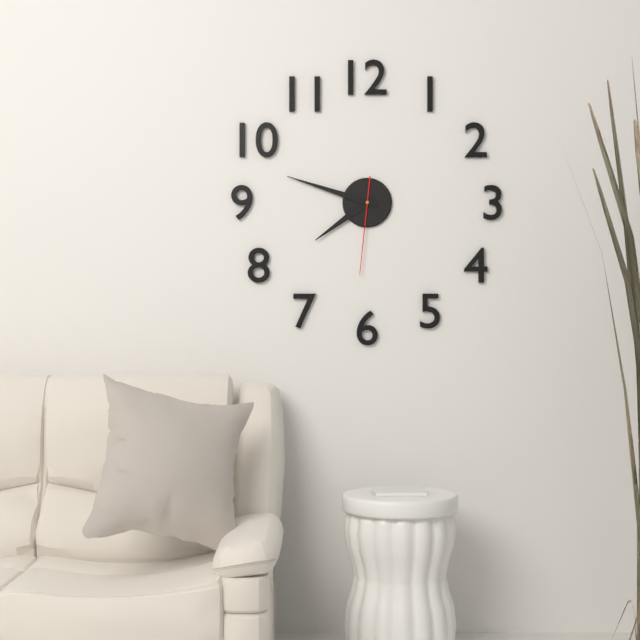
7:48:31
